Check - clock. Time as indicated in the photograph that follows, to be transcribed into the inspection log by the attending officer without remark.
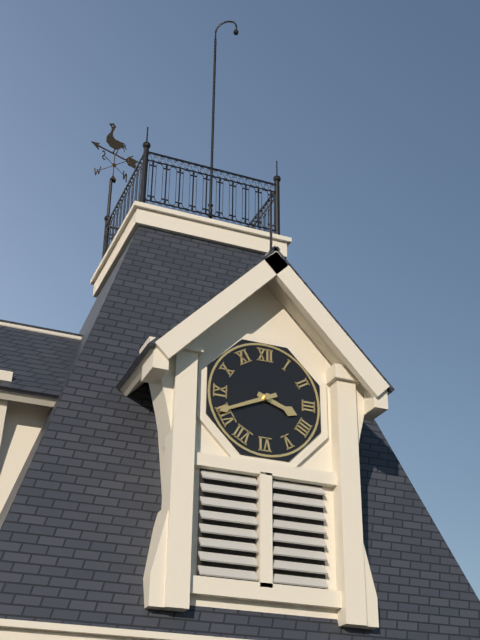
3:41
